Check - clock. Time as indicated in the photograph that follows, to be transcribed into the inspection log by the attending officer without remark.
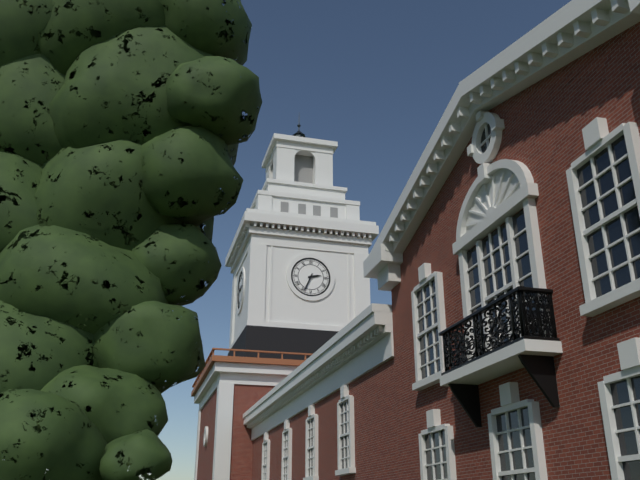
2:34
